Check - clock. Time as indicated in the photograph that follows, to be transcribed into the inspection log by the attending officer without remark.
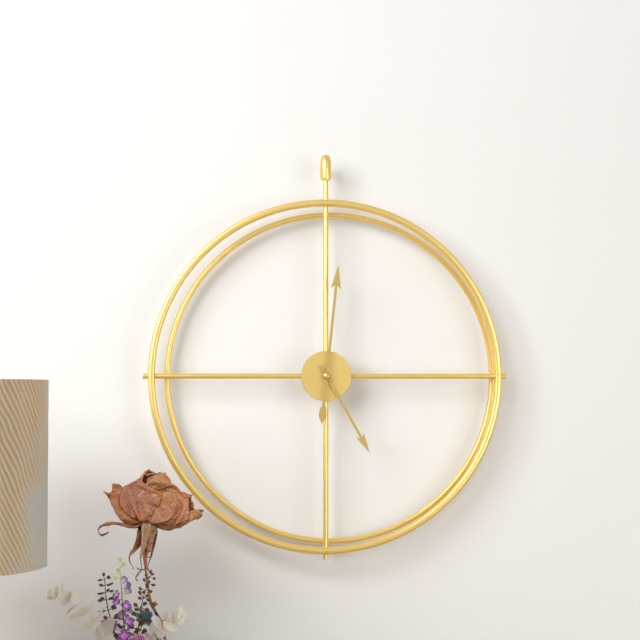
5:01
